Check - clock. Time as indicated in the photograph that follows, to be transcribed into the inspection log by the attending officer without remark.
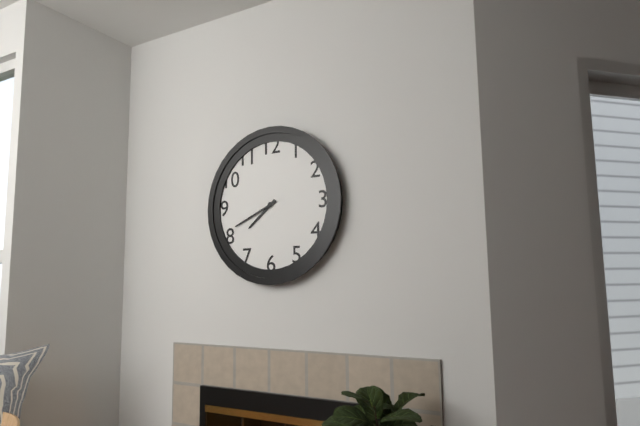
7:41
